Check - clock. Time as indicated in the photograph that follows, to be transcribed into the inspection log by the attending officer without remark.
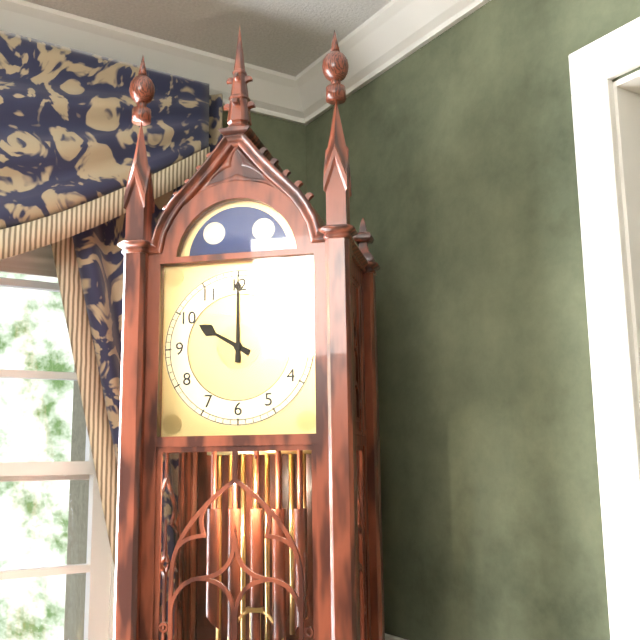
10:00
